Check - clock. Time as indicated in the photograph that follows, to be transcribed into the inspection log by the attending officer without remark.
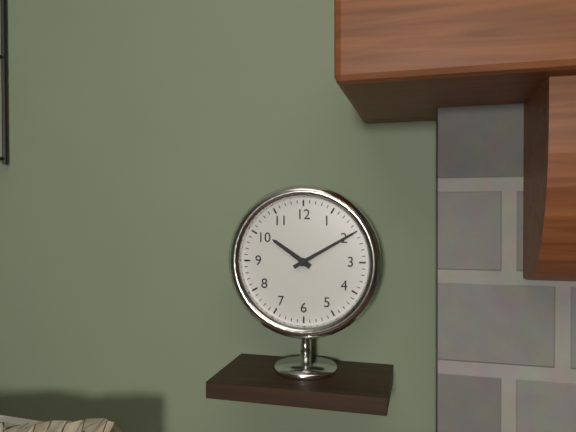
10:10
